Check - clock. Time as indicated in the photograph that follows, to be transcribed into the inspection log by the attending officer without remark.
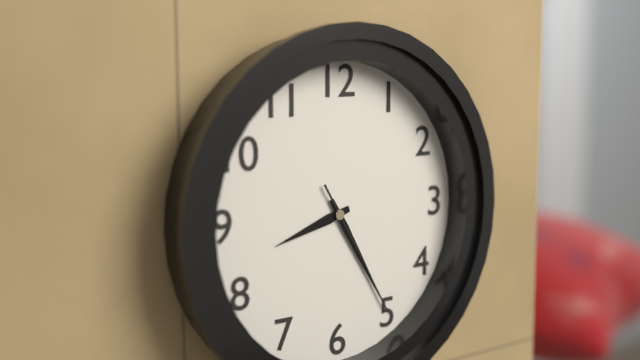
8:25:25
